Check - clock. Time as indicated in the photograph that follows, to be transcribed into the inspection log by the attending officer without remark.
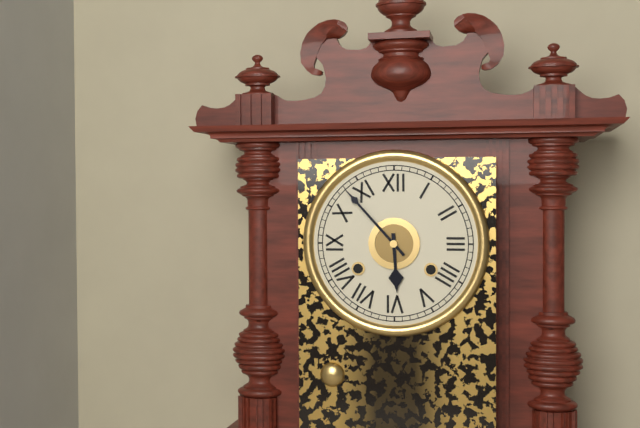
5:53
